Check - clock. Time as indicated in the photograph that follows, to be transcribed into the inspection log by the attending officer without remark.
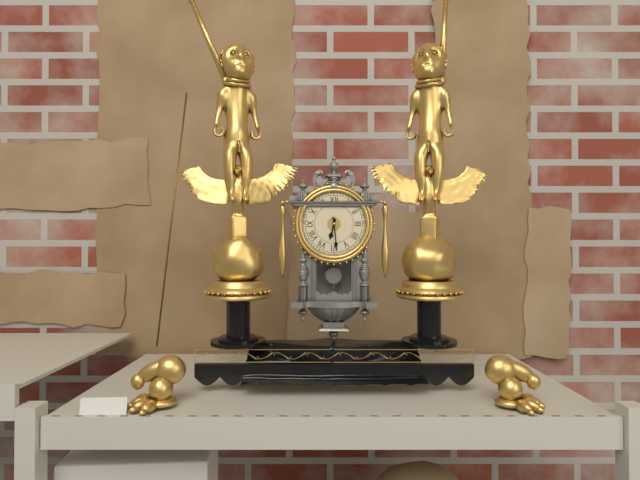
6:29
